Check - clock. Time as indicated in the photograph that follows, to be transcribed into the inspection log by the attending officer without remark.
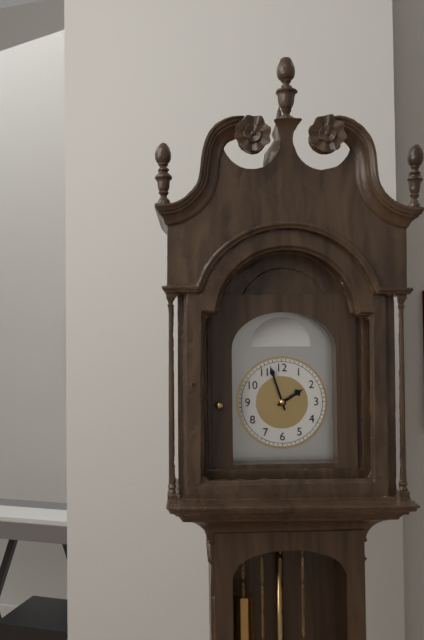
1:57
